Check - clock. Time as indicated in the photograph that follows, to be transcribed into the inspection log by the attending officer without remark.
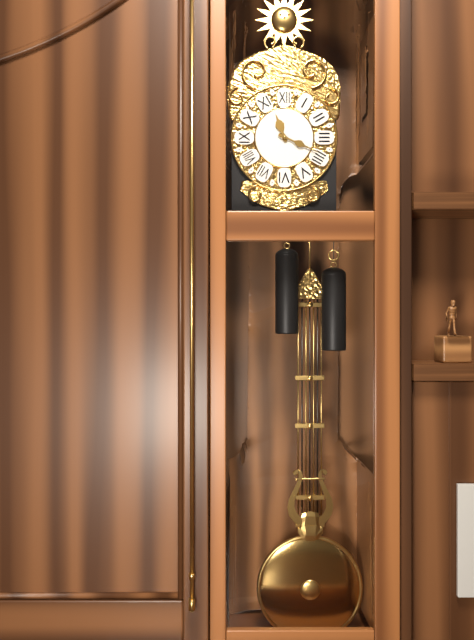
11:19
